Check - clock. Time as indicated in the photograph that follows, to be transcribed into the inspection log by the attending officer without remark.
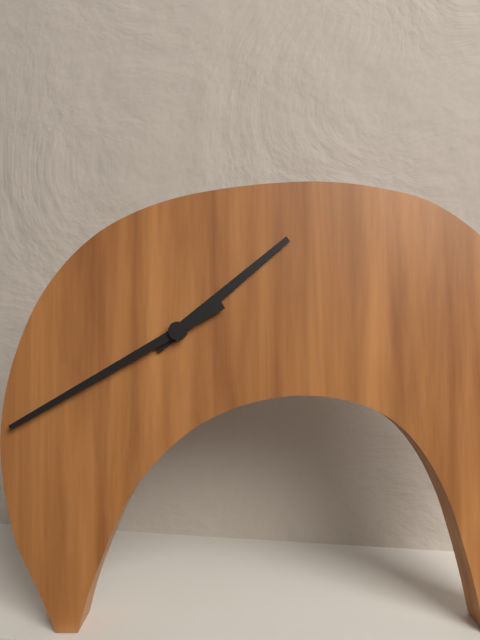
1:40
